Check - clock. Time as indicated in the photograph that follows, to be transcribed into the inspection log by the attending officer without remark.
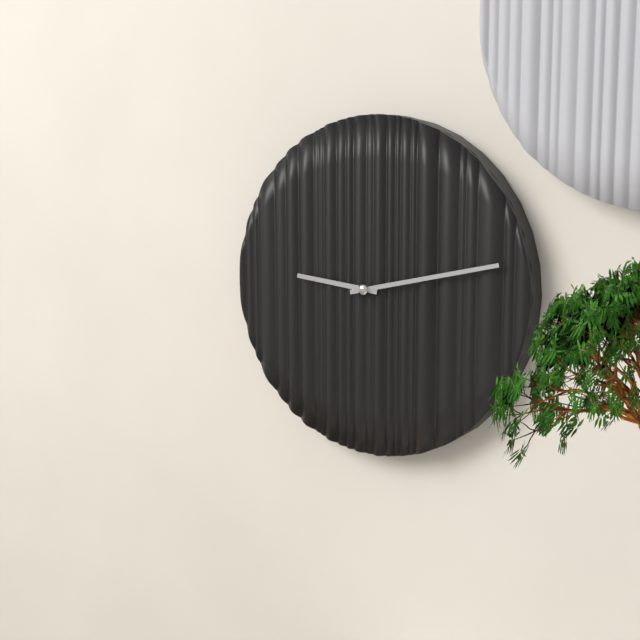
9:13
